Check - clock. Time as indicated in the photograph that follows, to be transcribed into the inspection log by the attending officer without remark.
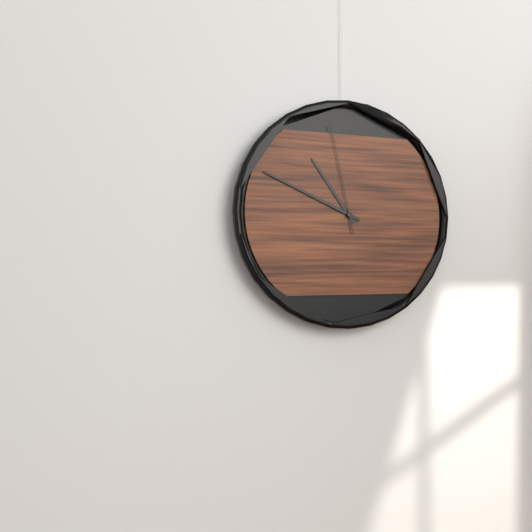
10:49:58
